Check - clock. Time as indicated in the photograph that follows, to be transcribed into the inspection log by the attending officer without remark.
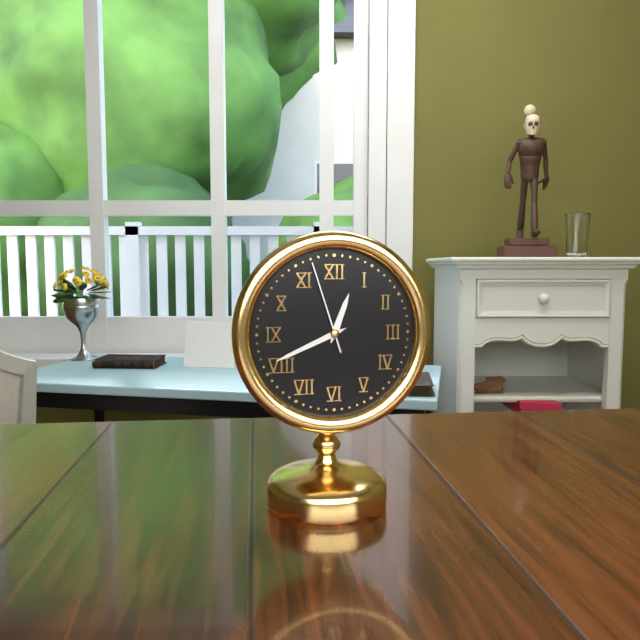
12:41:57
